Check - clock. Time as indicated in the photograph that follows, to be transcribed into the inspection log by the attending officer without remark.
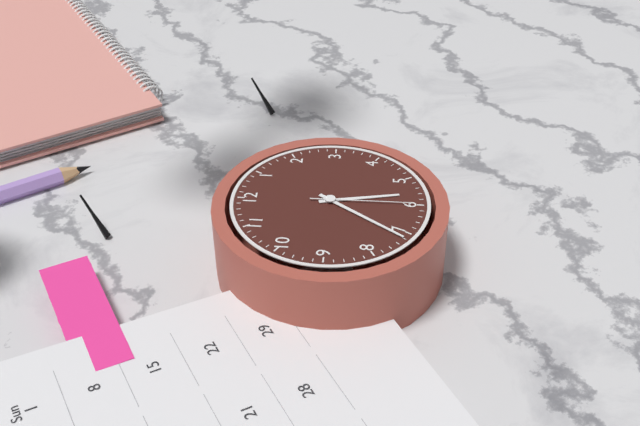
5:36:30
